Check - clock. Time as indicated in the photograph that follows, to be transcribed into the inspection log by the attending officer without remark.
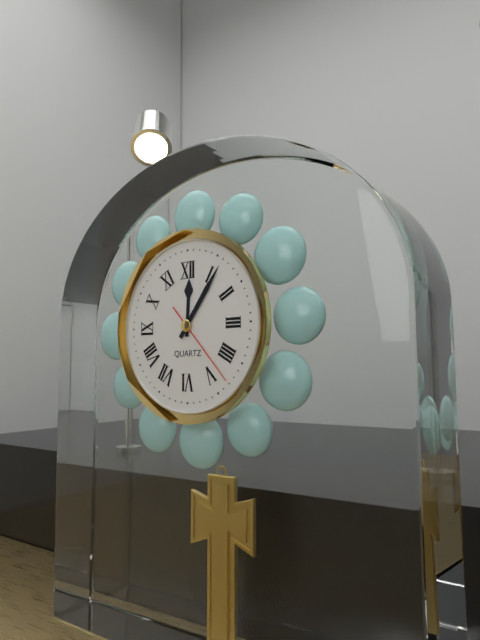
12:06:23
